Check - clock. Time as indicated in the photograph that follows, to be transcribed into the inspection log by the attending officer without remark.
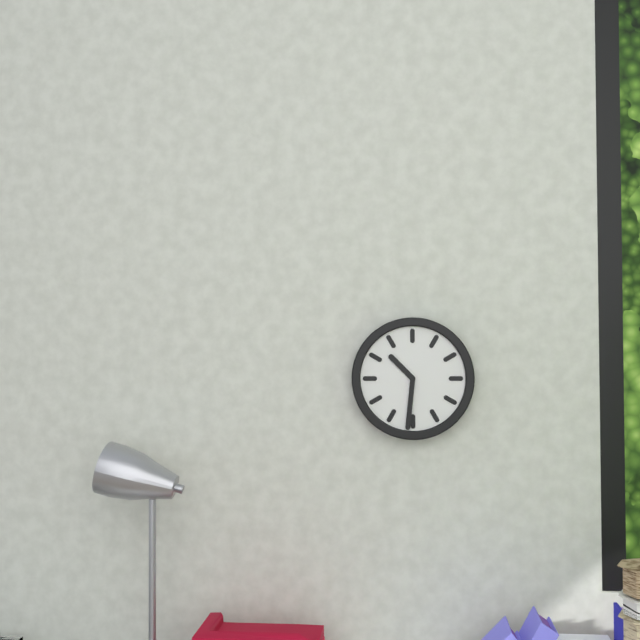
10:31
